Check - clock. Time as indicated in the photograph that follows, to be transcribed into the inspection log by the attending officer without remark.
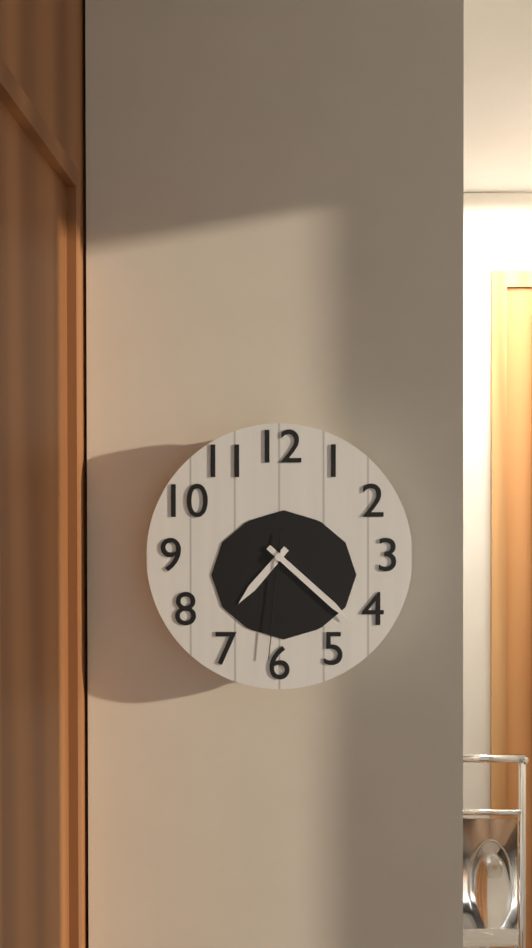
7:22:31
